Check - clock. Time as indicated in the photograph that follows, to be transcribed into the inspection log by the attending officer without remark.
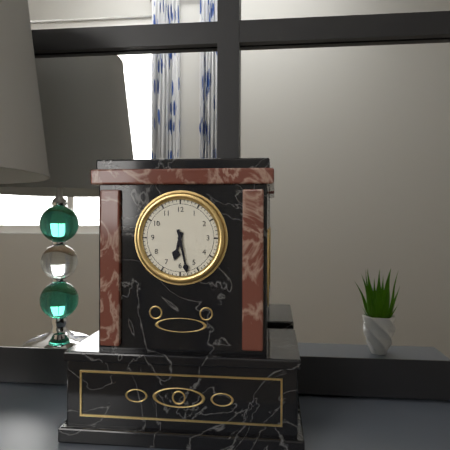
6:28
